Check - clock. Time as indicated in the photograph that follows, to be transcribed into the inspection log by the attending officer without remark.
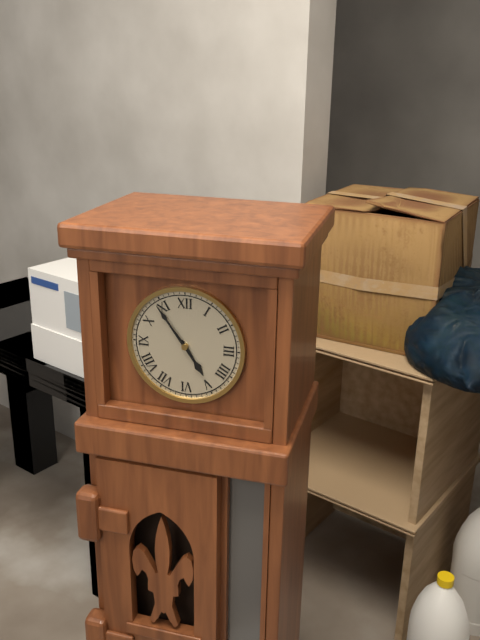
4:54
